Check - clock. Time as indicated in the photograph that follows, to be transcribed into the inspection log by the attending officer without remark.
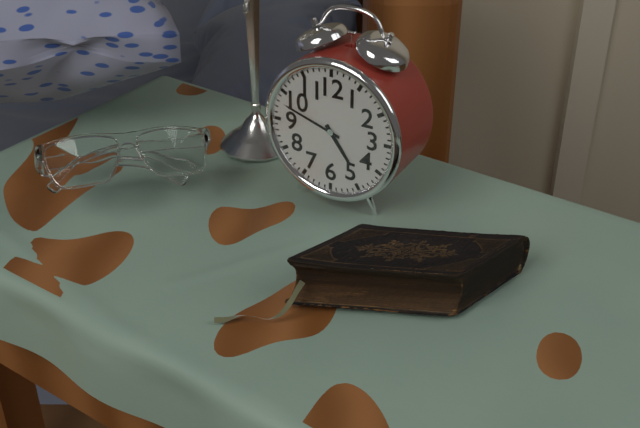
4:48
